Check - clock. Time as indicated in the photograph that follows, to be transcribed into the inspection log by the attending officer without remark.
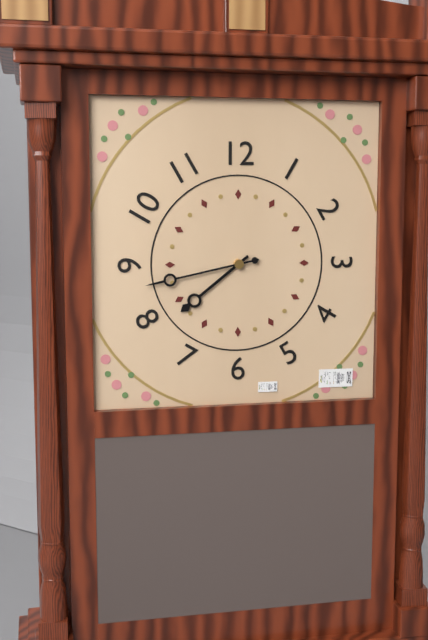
7:43
